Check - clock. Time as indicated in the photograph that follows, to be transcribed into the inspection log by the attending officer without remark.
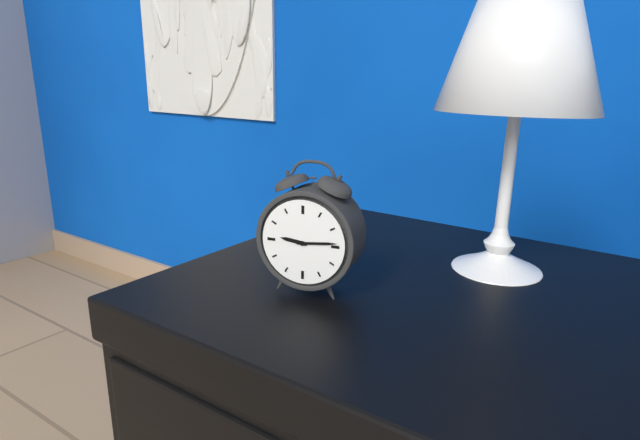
9:14
